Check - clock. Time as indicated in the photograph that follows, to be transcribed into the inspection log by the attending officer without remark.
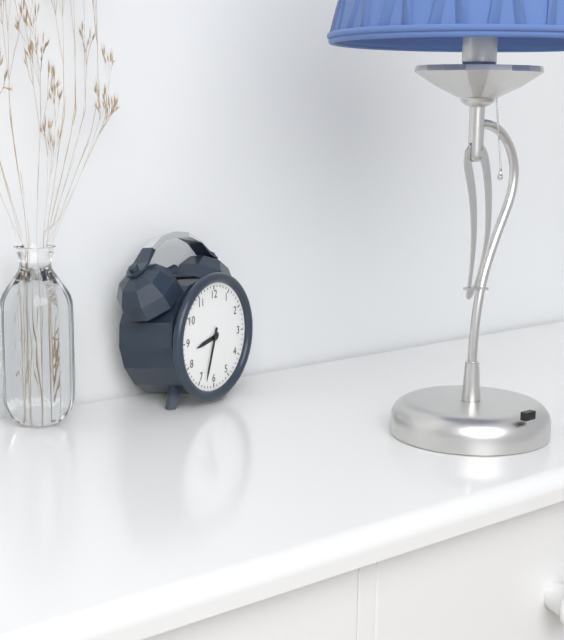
8:33
